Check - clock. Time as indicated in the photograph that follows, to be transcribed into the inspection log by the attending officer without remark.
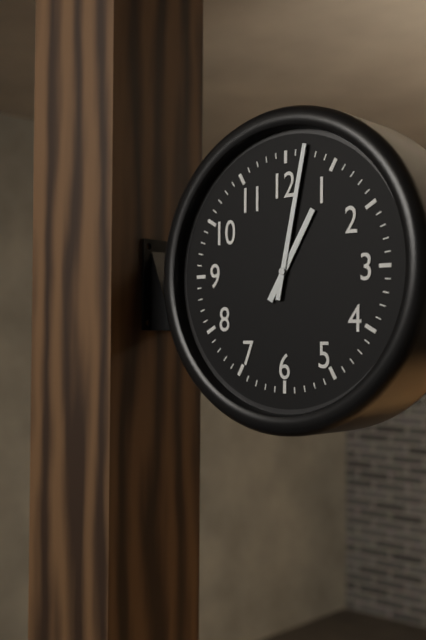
1:02
